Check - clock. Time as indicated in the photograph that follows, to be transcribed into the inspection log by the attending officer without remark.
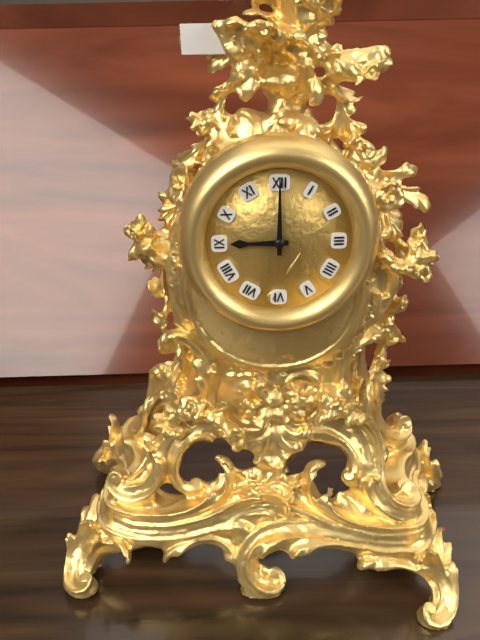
9:00
